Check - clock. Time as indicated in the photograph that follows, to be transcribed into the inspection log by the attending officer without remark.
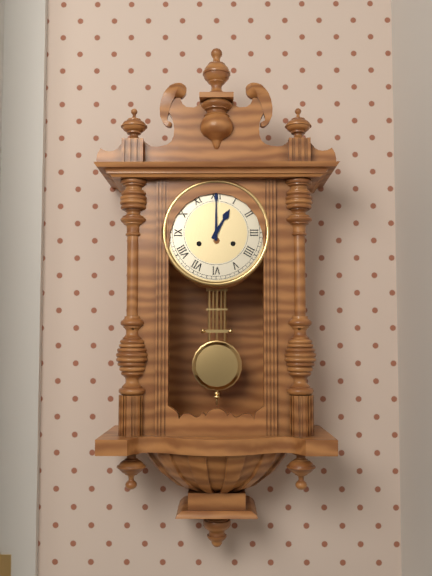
1:00
